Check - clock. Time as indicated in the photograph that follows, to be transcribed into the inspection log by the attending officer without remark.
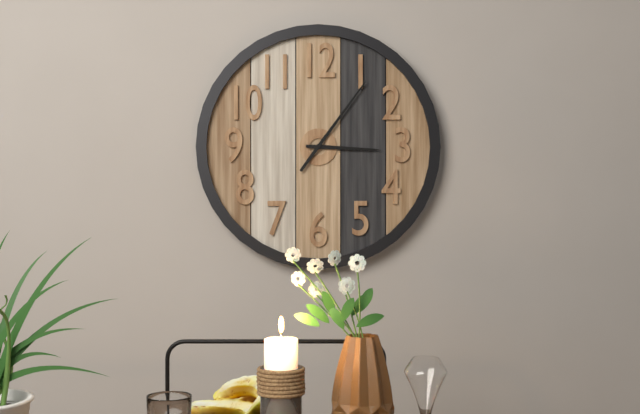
3:06
